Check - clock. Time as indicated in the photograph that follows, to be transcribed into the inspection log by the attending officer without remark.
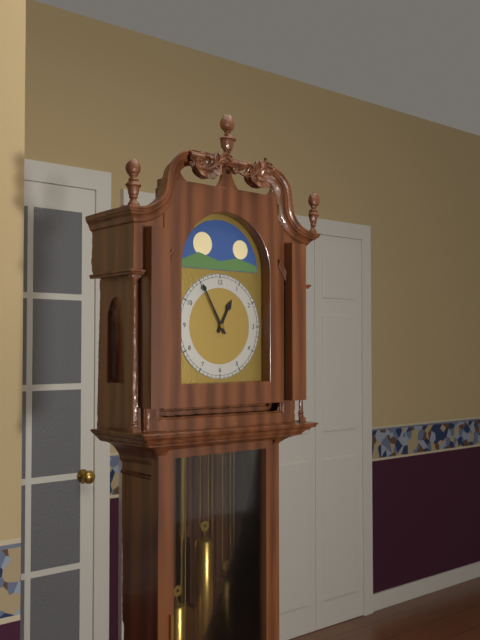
12:55
